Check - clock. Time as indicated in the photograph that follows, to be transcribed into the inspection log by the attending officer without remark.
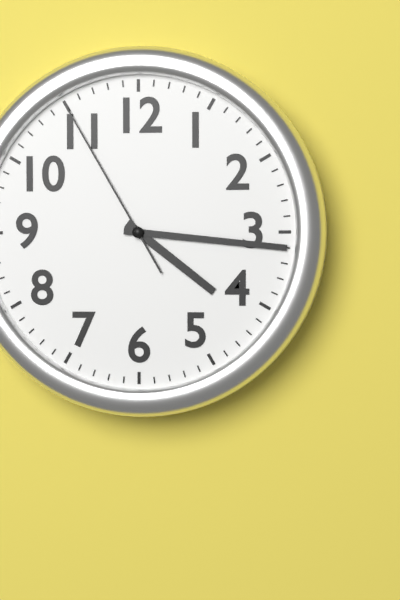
4:16:55
